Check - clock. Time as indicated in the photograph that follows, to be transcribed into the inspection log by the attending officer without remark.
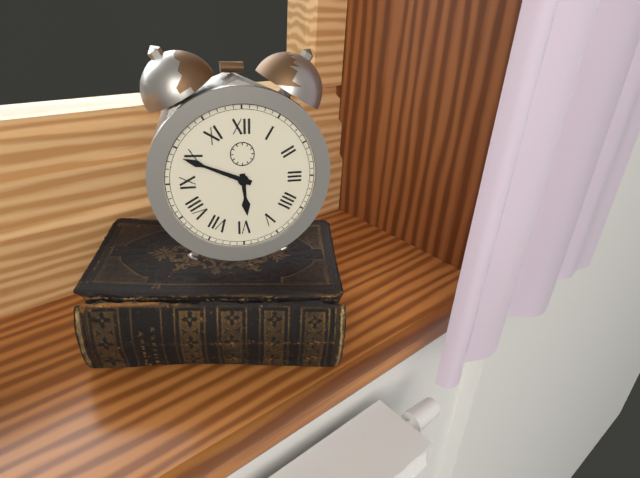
5:49
